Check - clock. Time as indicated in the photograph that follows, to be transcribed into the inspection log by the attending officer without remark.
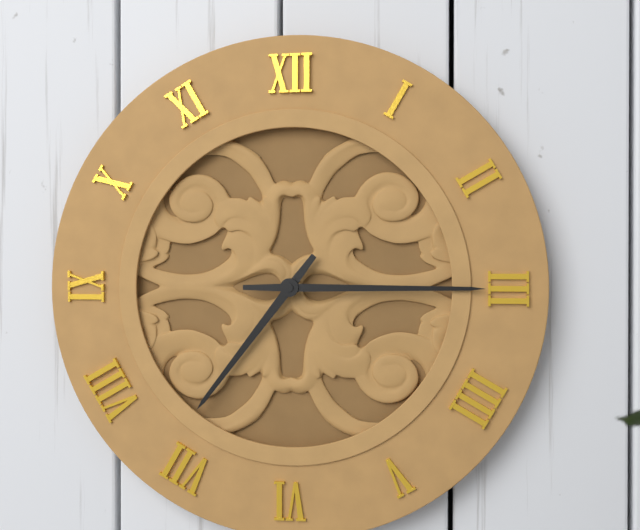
7:15
